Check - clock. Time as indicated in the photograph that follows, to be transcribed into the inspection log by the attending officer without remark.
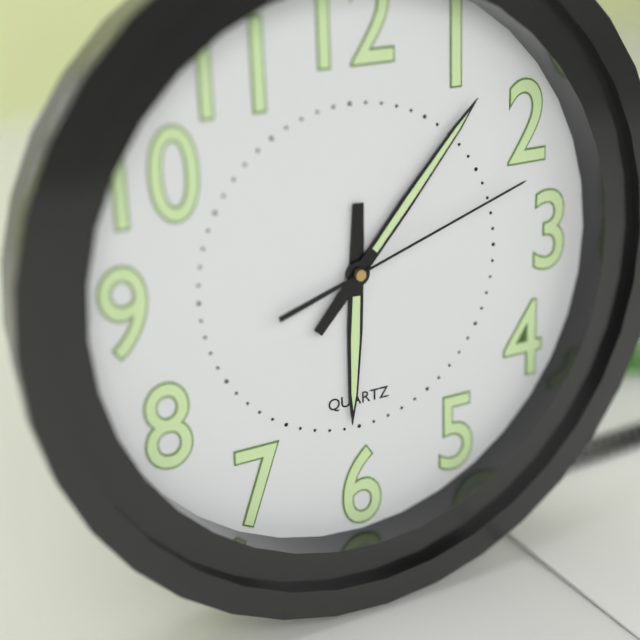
6:07:12
